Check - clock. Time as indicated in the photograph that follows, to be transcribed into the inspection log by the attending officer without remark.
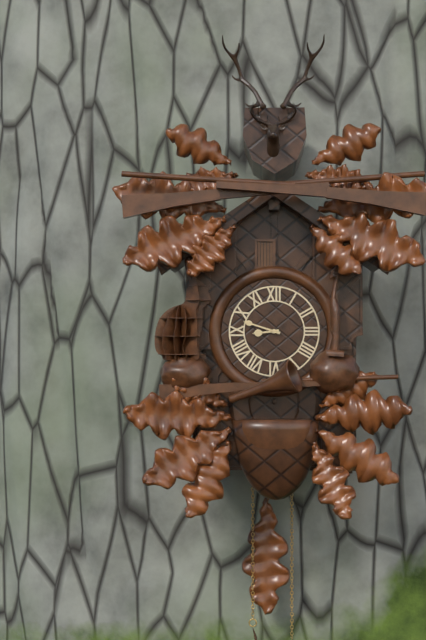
8:48
